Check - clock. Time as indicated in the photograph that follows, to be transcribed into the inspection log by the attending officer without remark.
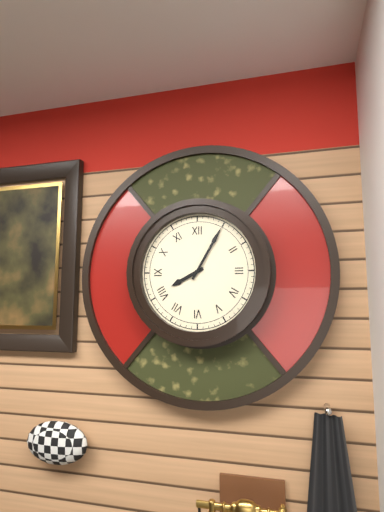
8:05
